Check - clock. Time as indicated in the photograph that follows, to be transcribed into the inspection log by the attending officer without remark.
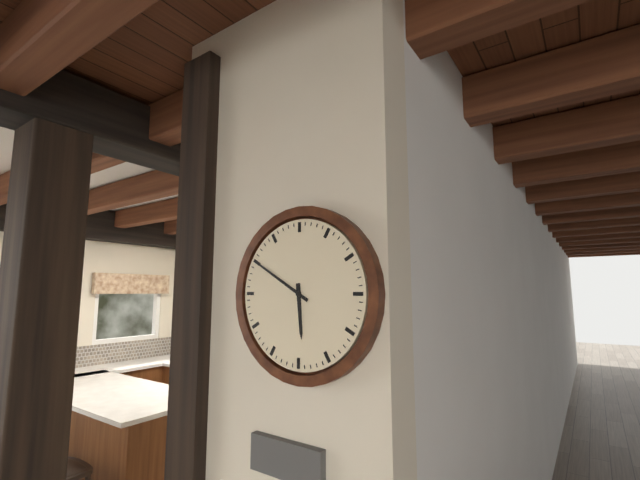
5:50
